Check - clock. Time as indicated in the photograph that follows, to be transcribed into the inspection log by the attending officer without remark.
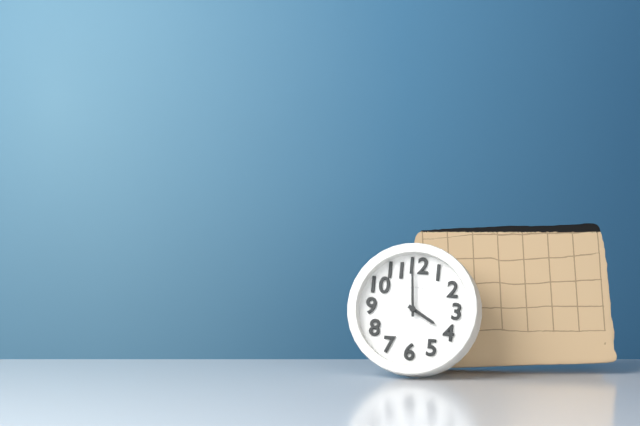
3:59
